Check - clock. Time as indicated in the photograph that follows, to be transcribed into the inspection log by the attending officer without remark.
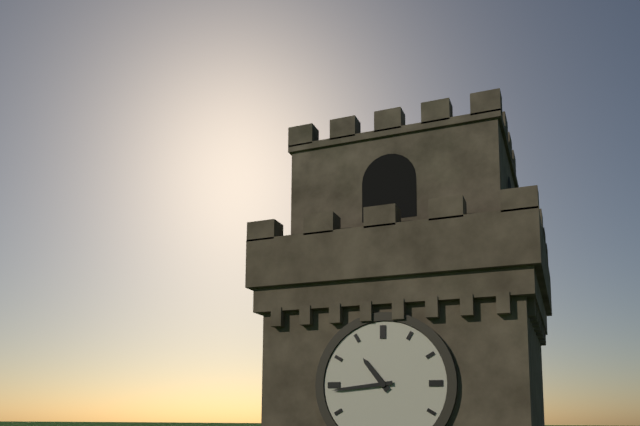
10:44
